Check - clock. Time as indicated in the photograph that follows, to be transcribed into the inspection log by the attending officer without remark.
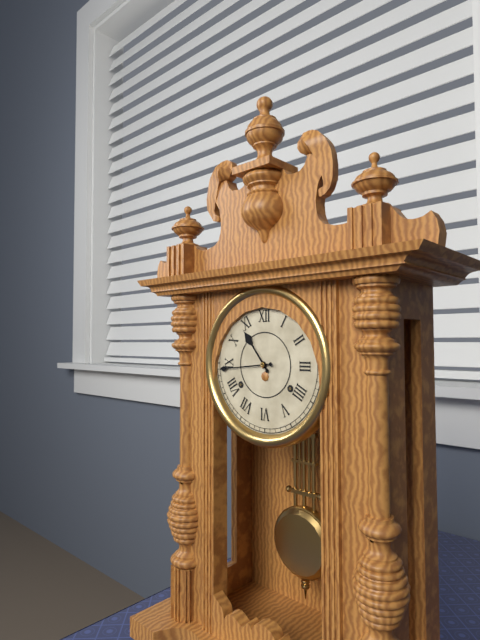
10:44
